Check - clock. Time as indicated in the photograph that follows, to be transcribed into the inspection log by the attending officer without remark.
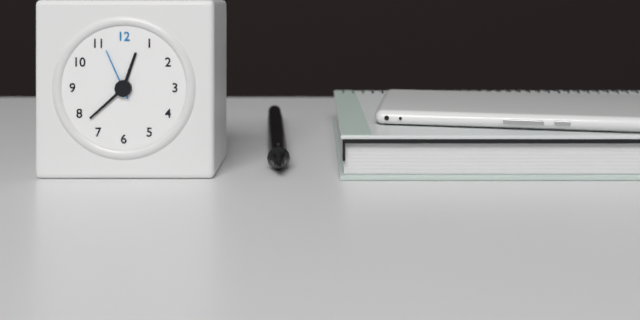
12:38:56
